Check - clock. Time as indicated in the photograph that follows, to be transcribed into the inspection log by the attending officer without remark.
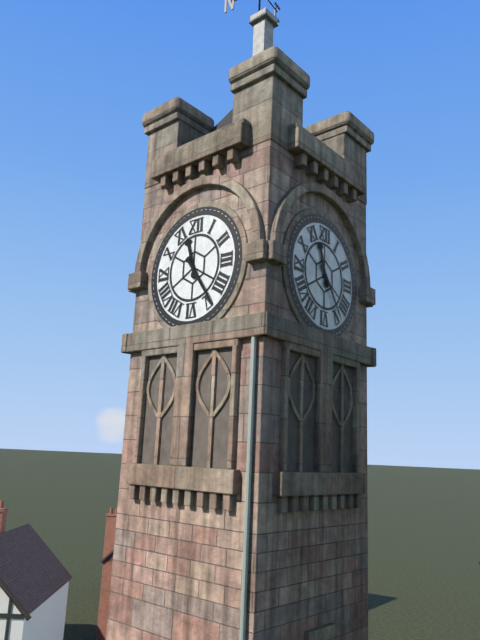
11:24
